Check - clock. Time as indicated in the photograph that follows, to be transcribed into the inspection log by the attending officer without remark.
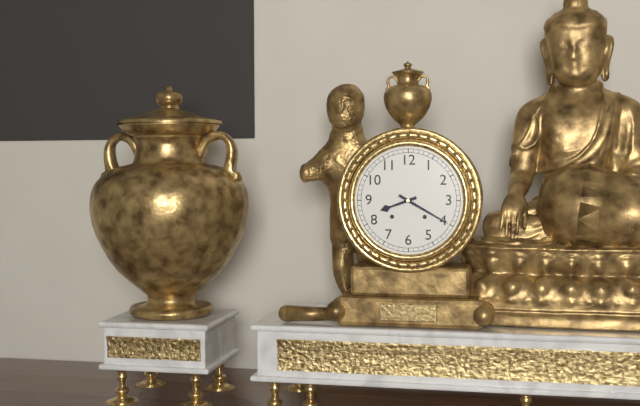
8:20
